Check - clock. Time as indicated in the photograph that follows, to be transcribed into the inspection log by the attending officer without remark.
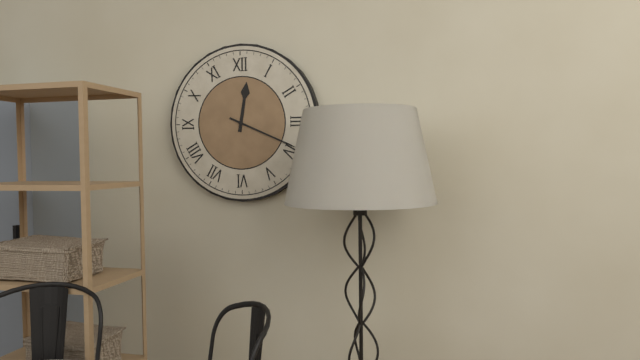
12:19
